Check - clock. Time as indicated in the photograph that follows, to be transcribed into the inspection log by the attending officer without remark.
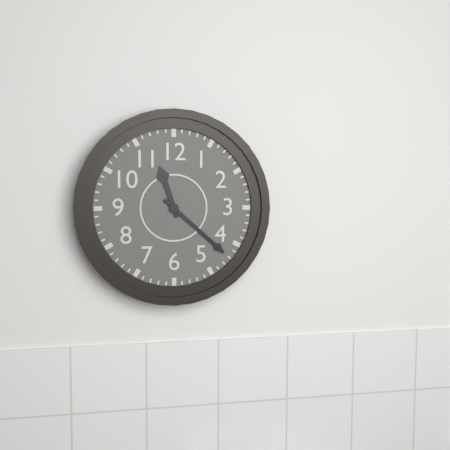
11:22
